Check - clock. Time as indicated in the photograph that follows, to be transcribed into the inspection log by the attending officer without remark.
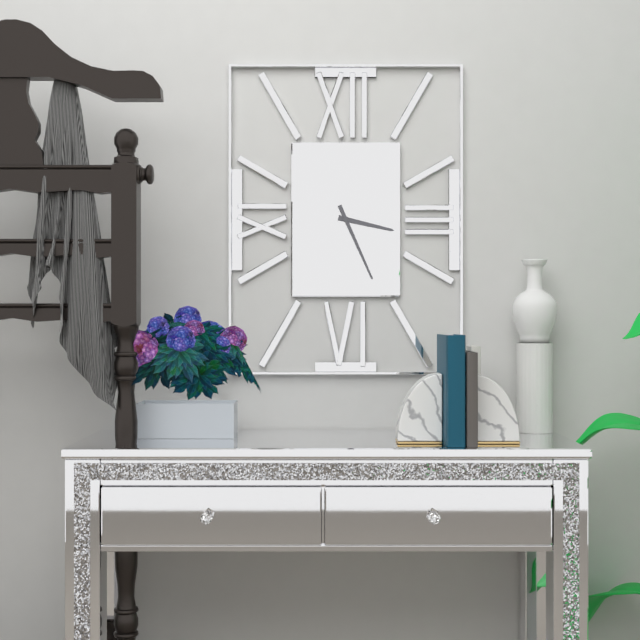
3:26
